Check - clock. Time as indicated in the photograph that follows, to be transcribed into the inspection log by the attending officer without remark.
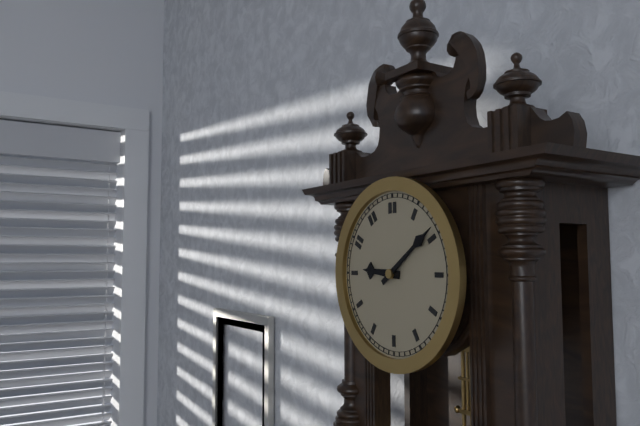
9:09
